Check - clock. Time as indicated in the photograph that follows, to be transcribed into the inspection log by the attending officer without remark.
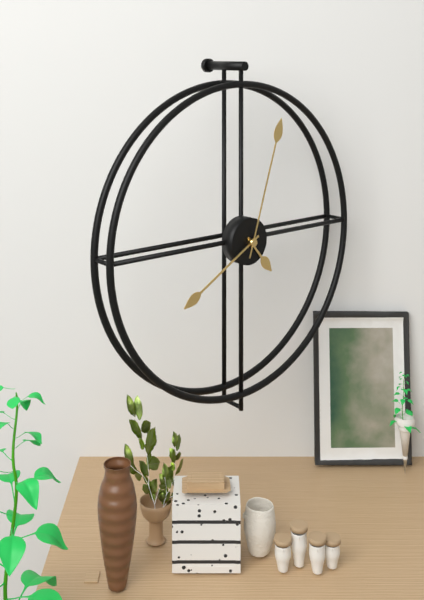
4:40:03
